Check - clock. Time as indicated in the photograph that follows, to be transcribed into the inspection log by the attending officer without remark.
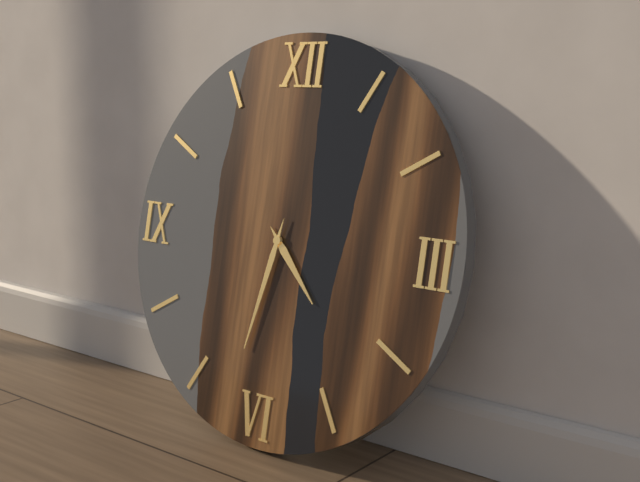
4:32
